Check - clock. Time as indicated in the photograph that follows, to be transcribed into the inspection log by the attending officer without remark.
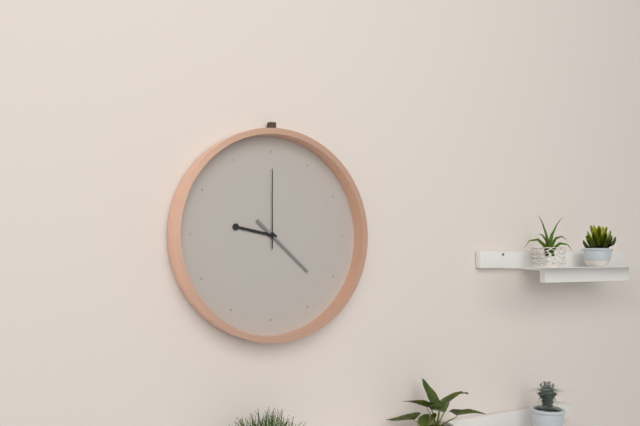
9:22:00
